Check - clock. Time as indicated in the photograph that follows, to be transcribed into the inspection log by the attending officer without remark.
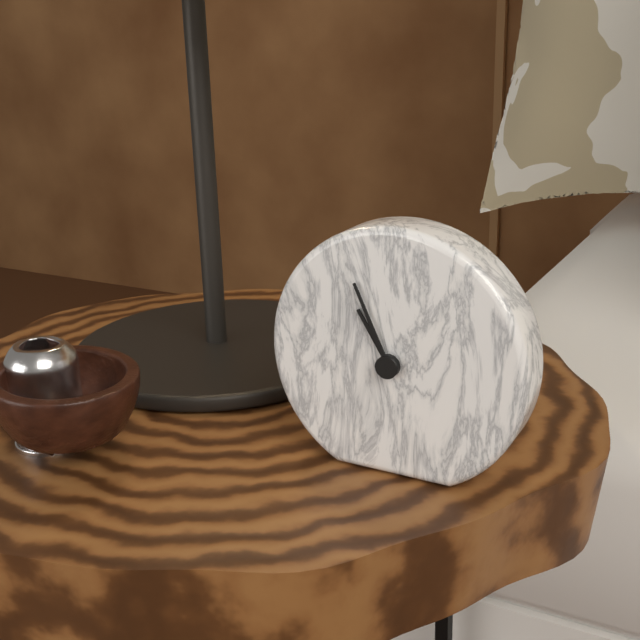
10:56
